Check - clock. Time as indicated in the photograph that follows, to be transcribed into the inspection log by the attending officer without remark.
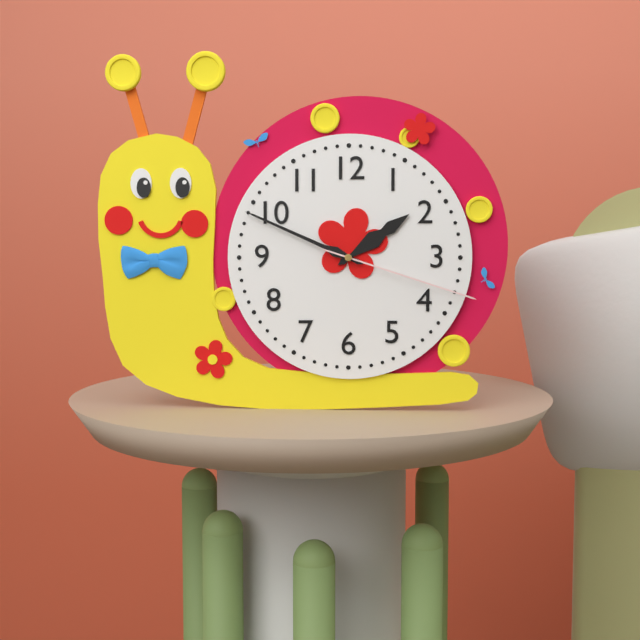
1:49:18
